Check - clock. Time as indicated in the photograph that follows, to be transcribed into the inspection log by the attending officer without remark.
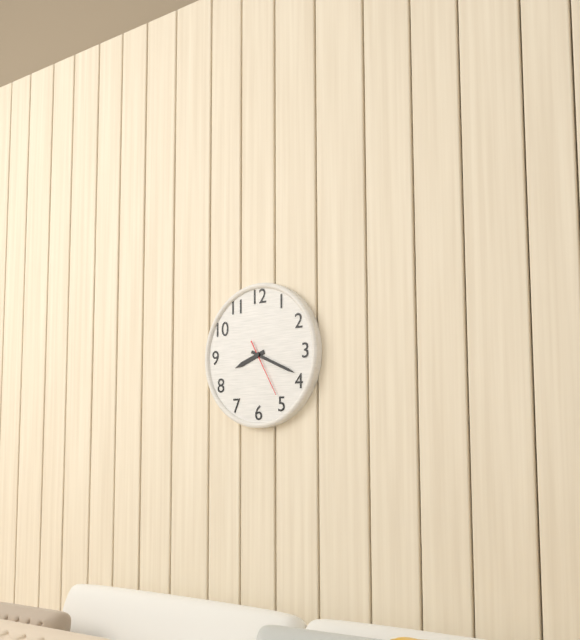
8:19:25
